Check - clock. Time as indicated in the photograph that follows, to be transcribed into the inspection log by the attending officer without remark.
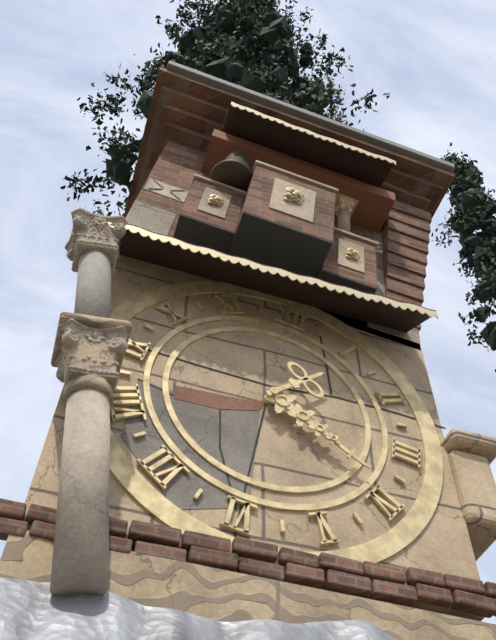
1:19
